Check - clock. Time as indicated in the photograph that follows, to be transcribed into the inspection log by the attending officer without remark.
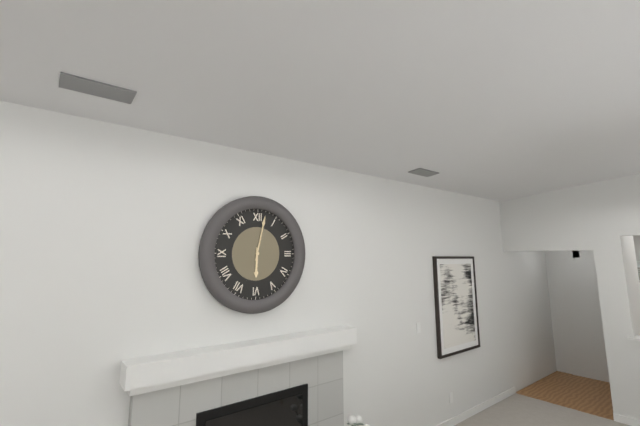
6:02
